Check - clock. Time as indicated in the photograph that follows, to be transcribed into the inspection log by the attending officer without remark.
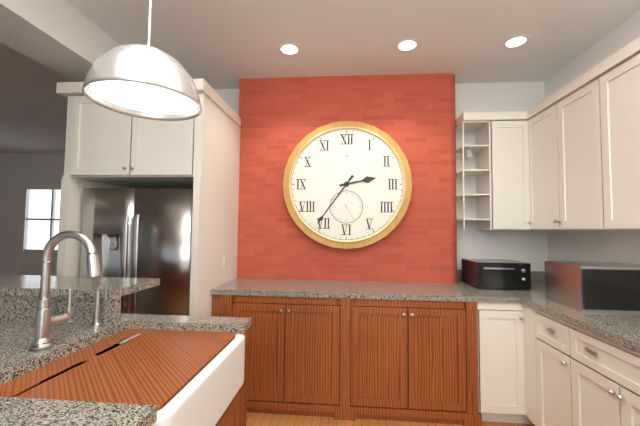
2:36
